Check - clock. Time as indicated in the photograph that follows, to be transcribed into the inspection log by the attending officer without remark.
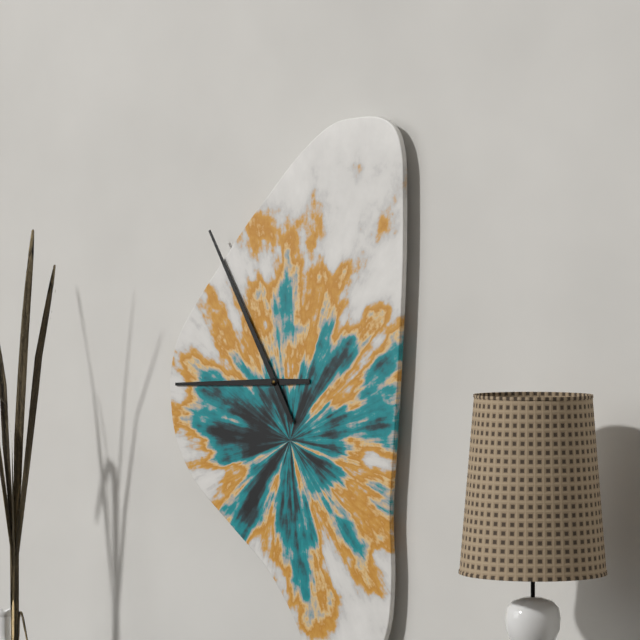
8:55
